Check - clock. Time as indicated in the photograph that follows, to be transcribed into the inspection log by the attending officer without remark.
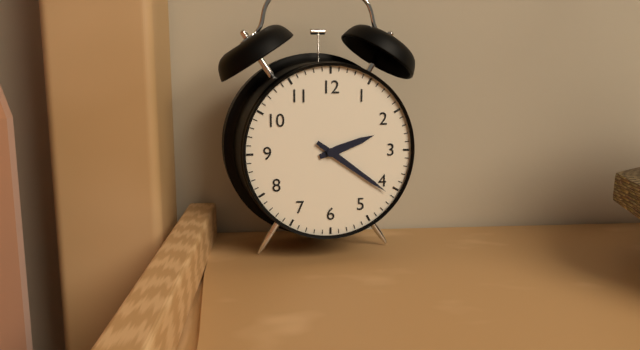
2:21
